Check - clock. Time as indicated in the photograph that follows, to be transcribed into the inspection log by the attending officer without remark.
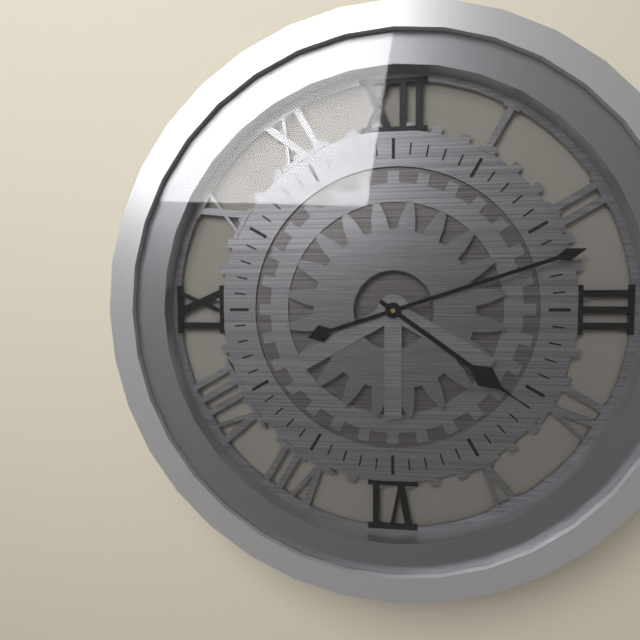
4:12
